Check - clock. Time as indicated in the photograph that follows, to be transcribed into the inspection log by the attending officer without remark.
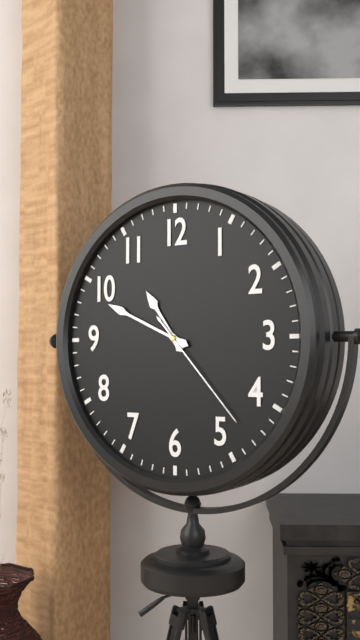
10:49:23
